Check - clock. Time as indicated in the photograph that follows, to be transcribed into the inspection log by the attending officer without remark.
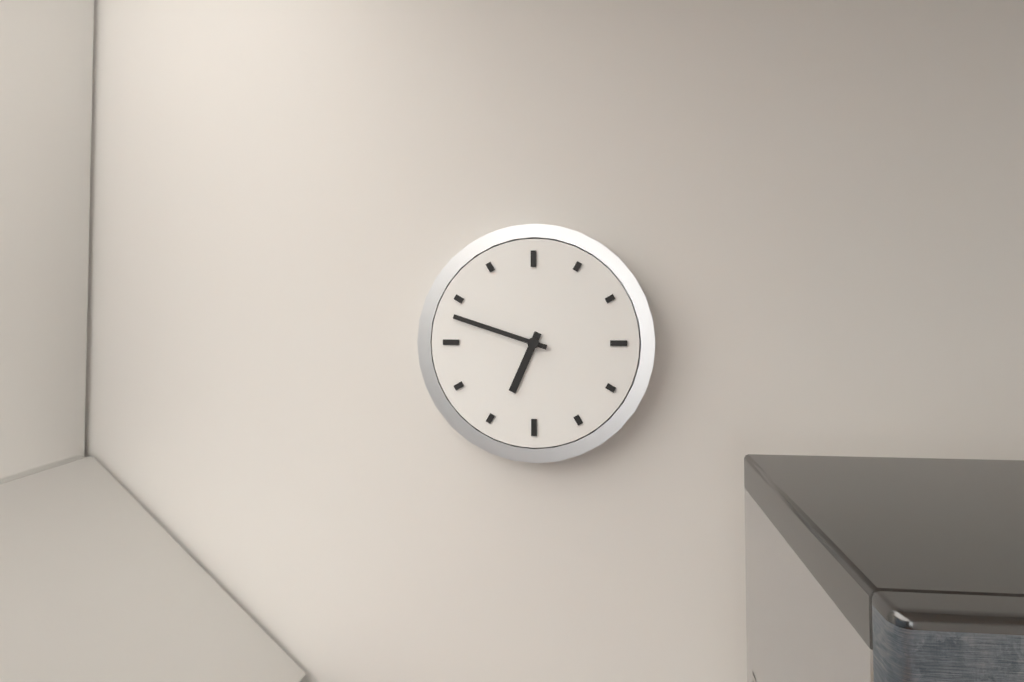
6:48
